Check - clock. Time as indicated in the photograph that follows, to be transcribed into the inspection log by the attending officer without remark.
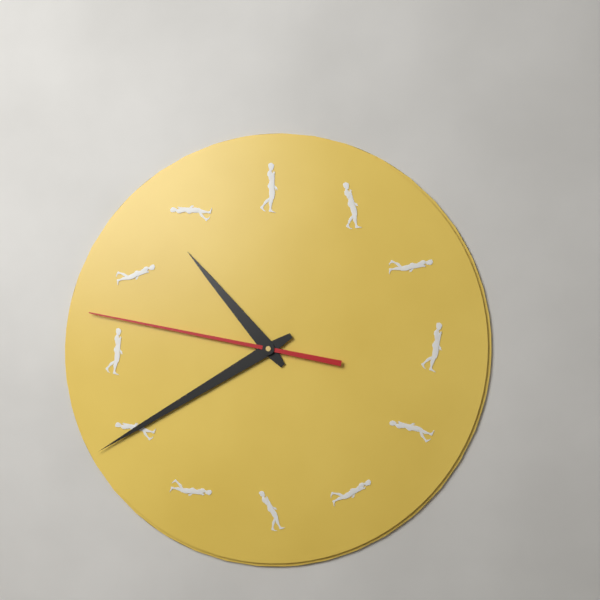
10:40:47
